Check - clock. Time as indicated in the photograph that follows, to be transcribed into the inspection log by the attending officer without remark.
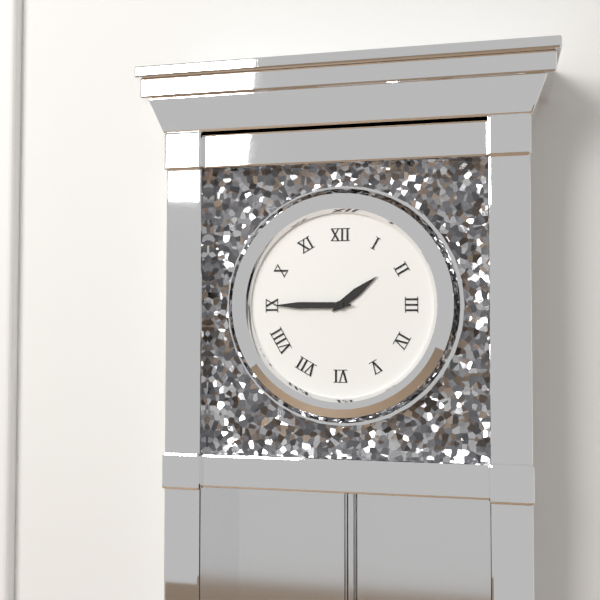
1:45
